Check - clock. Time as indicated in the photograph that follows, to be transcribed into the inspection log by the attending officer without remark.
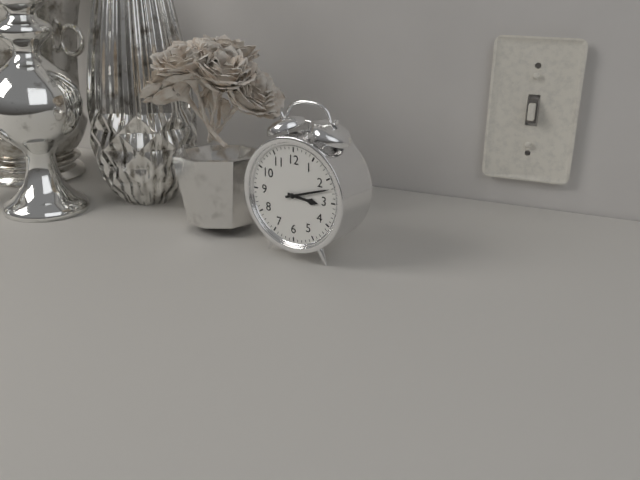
3:12
